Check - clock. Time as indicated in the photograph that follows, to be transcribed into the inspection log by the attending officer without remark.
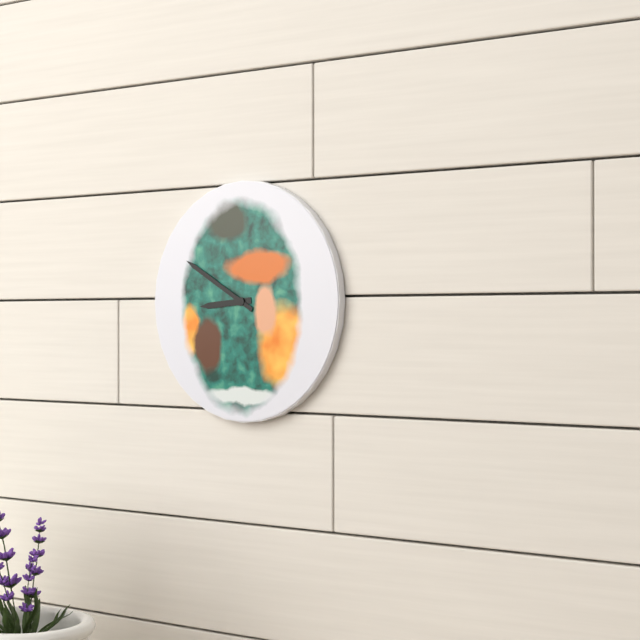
8:50
